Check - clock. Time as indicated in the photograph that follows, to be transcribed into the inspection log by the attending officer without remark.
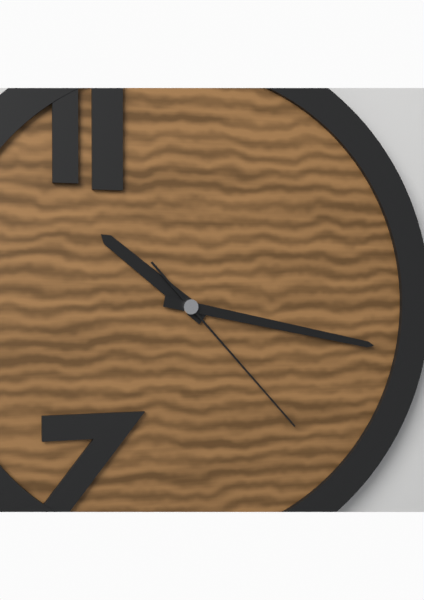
10:17:23
